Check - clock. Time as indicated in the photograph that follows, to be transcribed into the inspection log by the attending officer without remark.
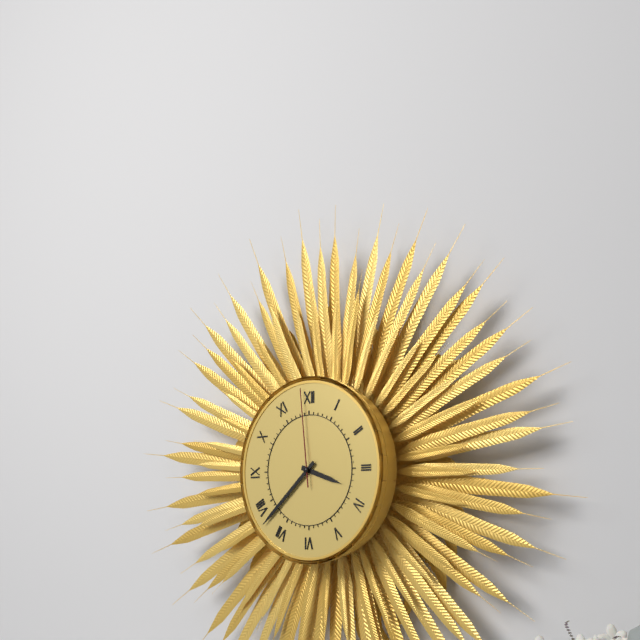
3:38:59
